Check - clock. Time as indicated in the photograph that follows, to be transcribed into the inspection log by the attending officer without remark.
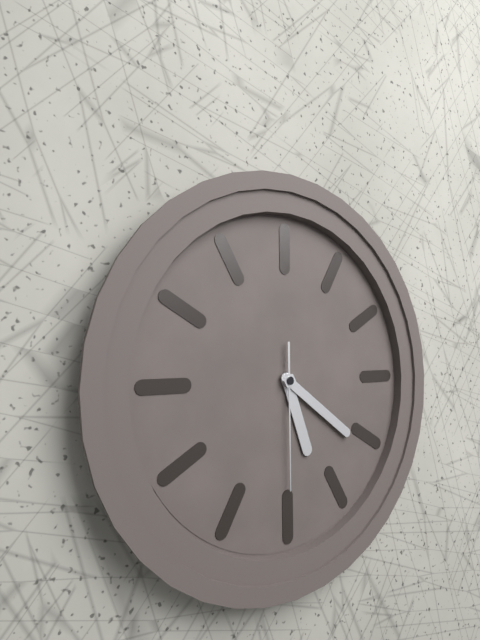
5:21:30
